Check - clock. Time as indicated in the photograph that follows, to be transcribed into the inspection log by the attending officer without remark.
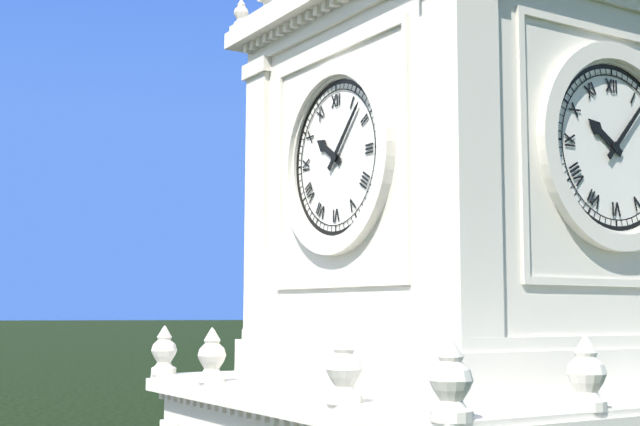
10:07
